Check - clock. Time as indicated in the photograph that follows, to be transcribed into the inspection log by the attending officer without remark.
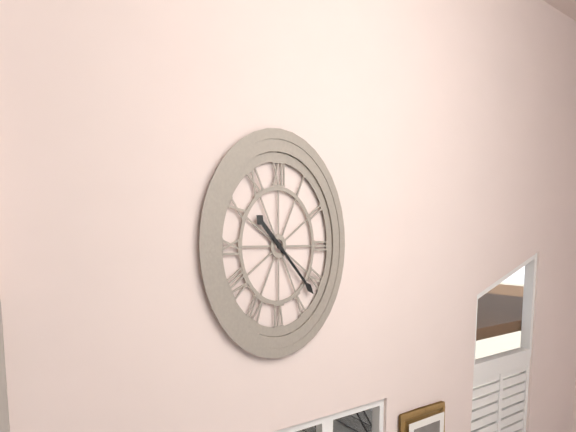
10:22
